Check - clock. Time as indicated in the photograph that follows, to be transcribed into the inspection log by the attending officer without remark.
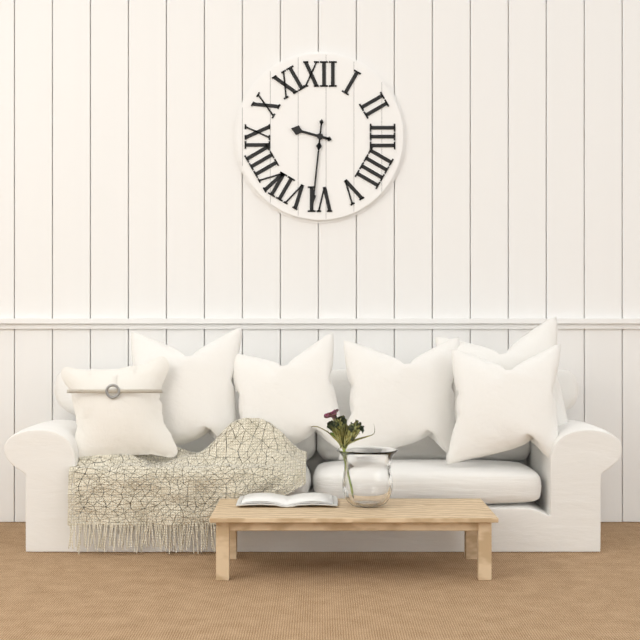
9:31
